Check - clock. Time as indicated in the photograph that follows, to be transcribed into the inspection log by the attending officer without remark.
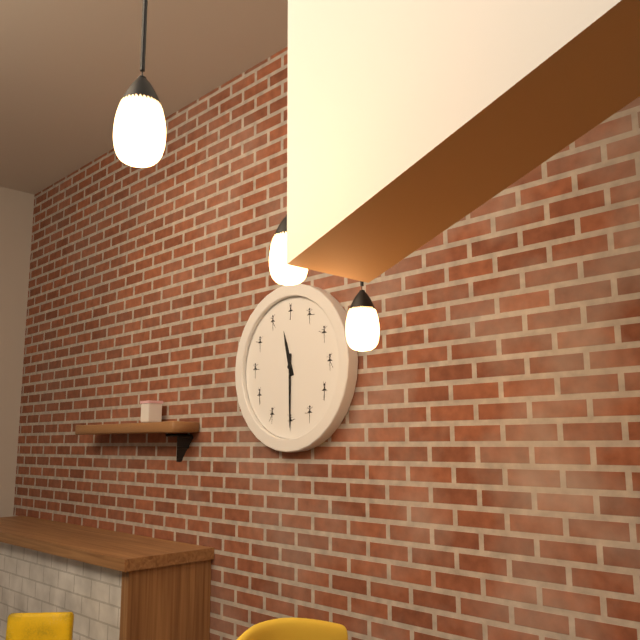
11:30
